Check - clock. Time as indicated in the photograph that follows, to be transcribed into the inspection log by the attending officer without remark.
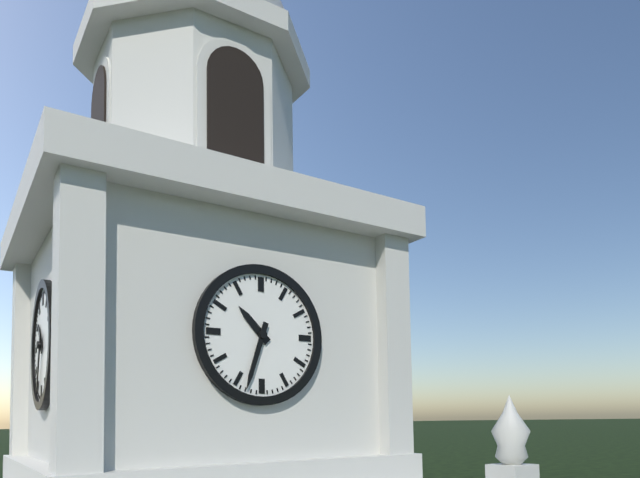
10:33
